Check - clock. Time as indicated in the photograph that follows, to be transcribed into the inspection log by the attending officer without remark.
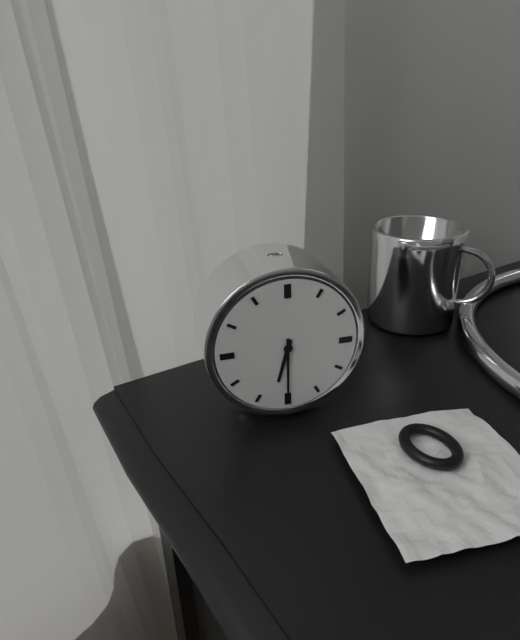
6:30
